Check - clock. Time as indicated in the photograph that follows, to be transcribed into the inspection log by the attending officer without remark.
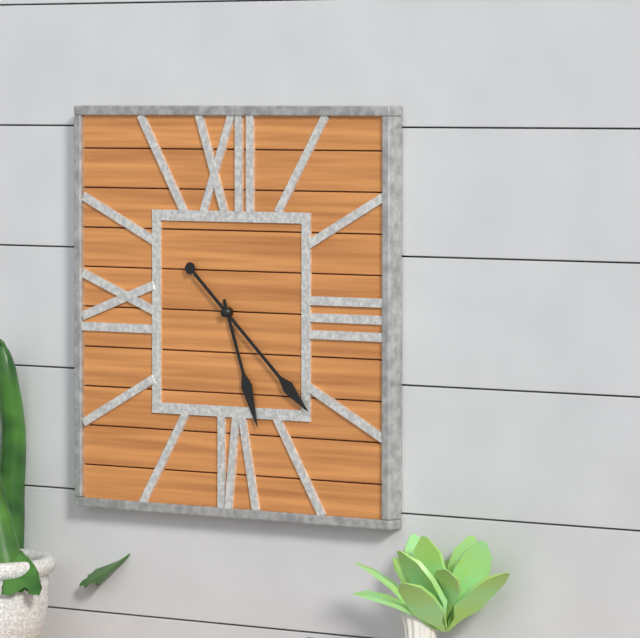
5:22
